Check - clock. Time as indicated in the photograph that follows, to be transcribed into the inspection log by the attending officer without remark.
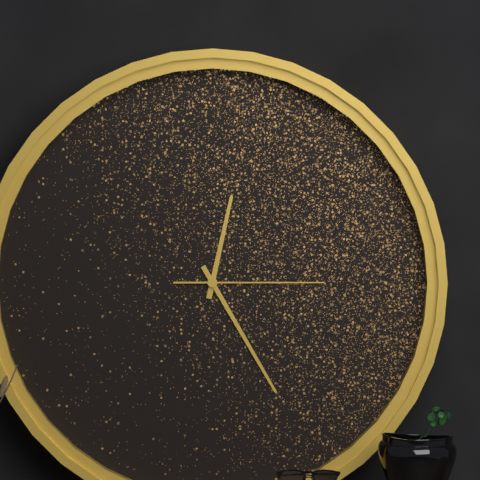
12:25:15
